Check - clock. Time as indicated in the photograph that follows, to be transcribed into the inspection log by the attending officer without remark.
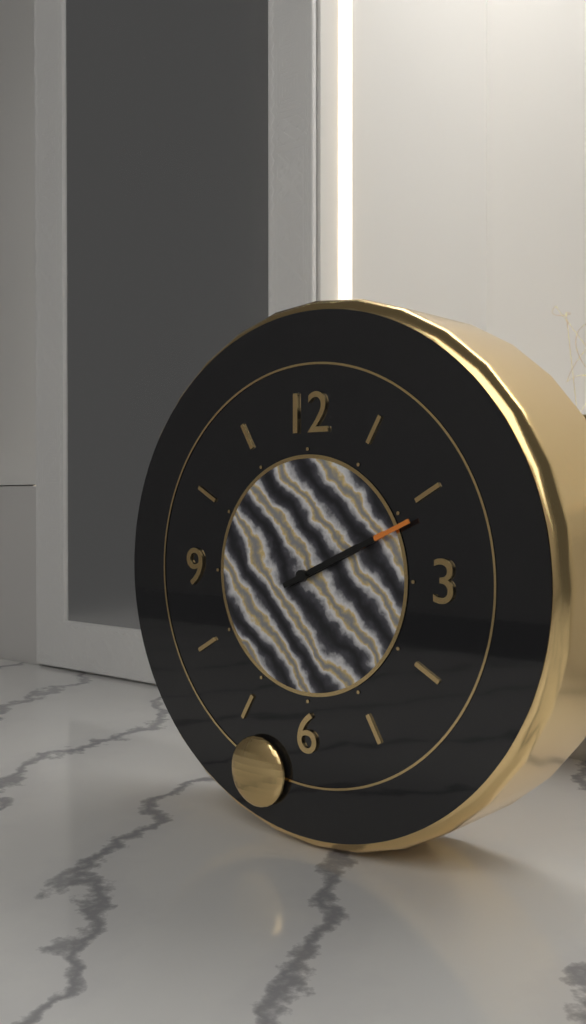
2:11
